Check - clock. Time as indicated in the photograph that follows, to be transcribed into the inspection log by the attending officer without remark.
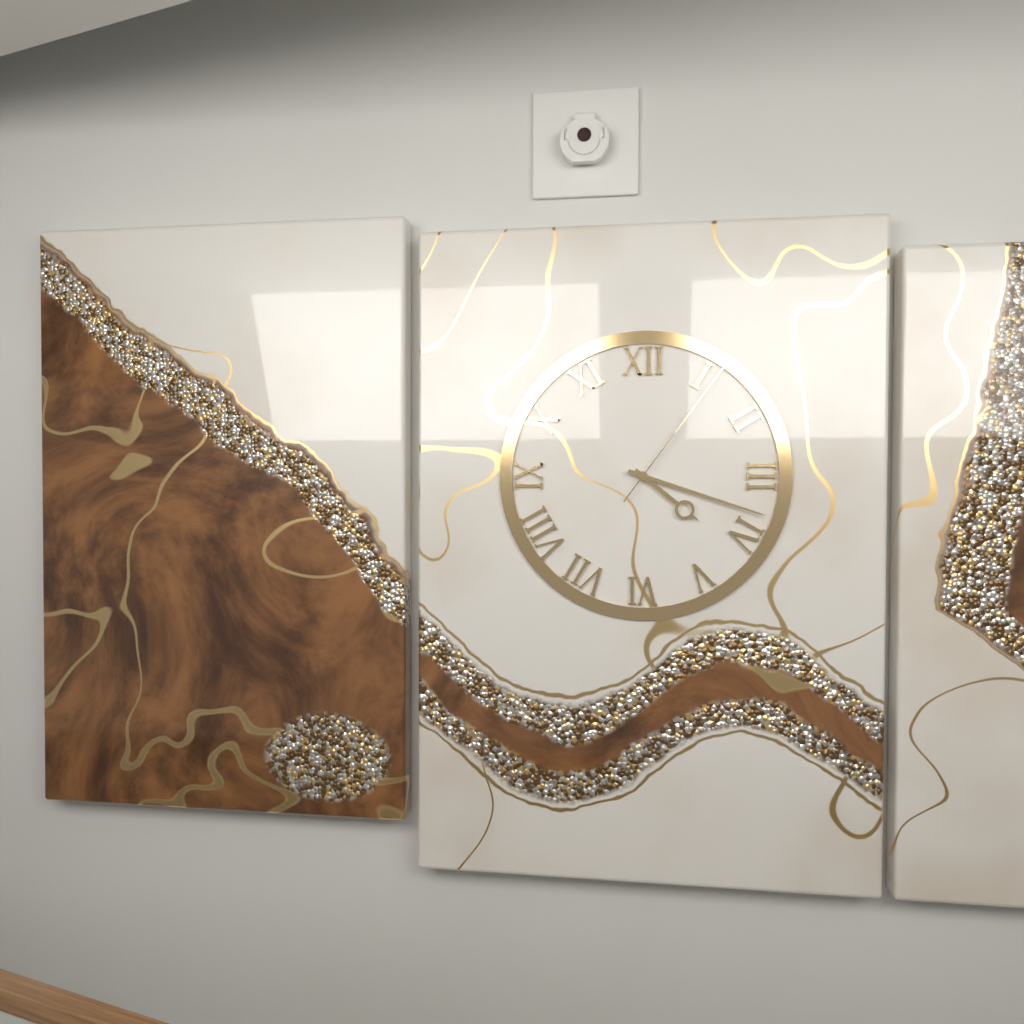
4:18:06
